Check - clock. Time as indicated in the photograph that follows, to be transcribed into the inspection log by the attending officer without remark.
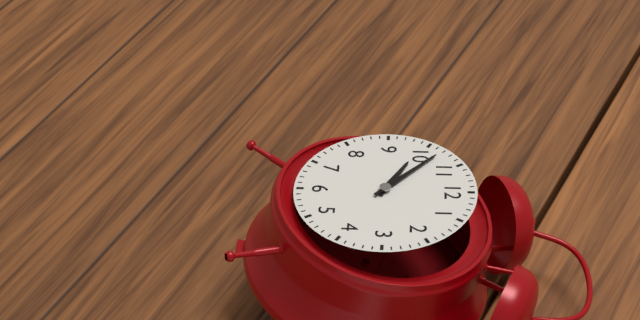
9:52
